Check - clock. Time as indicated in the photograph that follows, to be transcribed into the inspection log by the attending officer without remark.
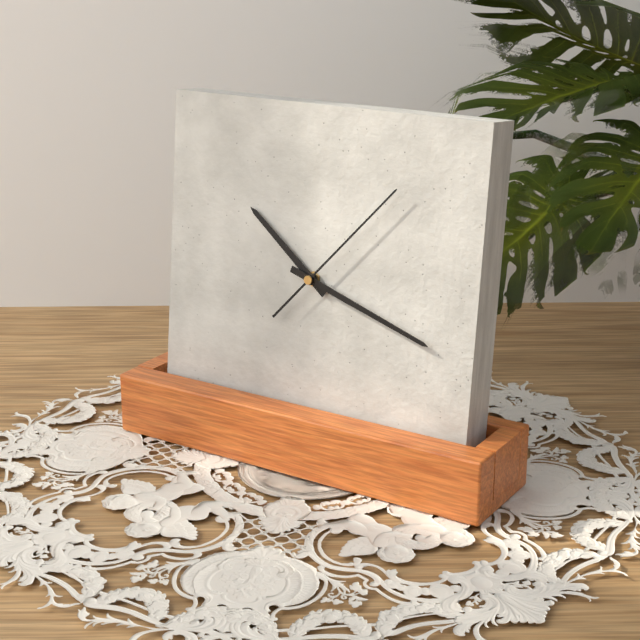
10:18:07
